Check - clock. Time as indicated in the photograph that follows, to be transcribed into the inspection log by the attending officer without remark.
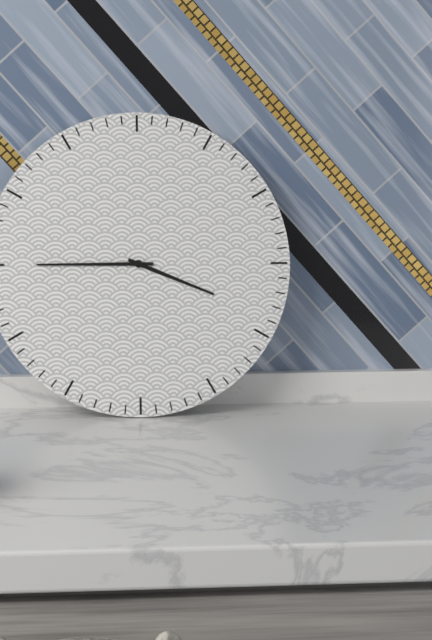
3:45
